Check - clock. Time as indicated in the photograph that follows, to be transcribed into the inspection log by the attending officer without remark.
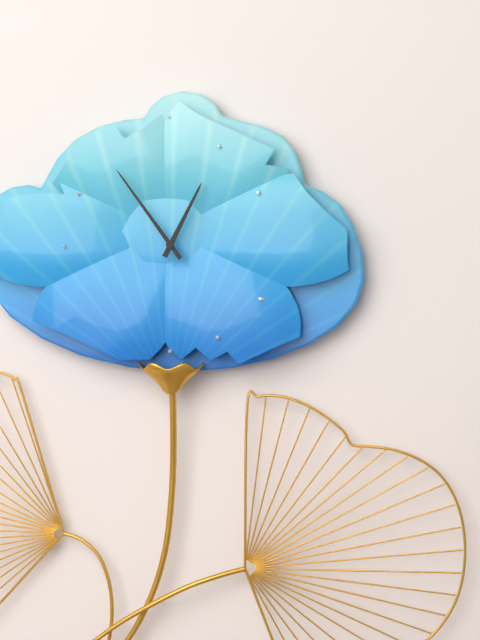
12:54
